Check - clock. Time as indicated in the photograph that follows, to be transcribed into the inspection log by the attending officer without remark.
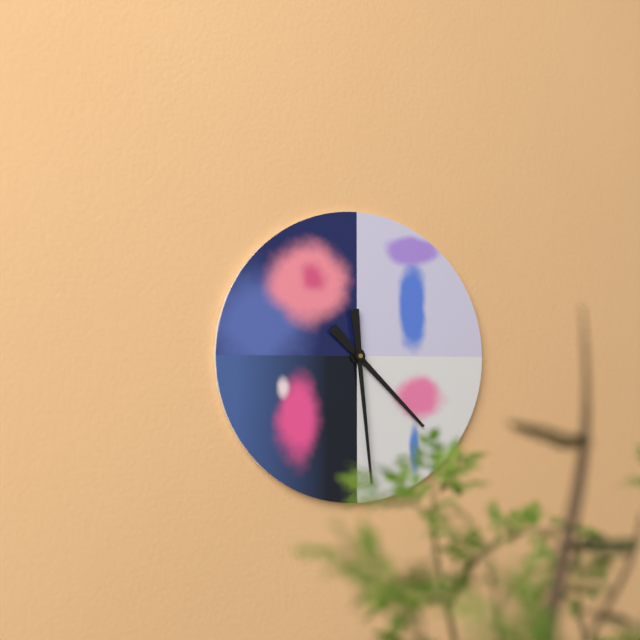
4:29
